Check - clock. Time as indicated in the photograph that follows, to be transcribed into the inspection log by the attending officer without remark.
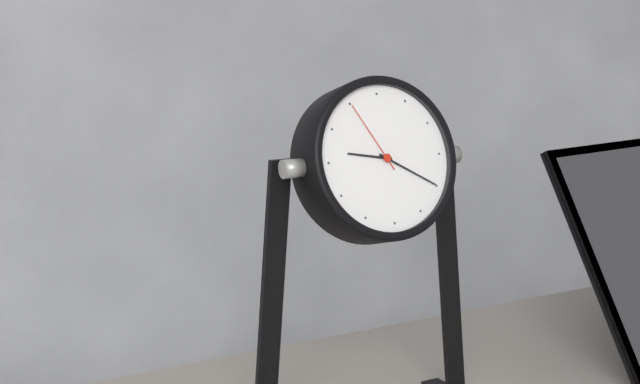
9:20:55
